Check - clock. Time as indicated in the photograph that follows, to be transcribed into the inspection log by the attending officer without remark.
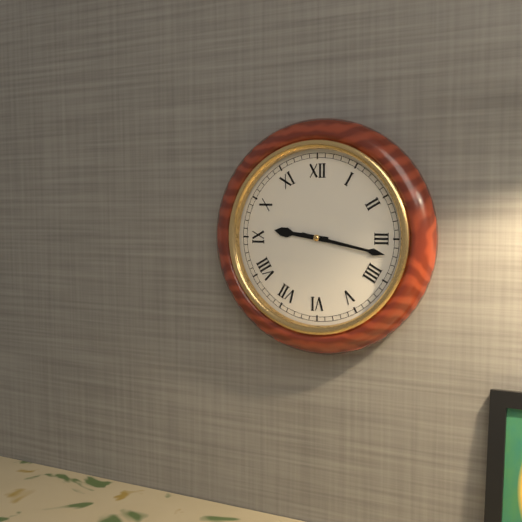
9:17
